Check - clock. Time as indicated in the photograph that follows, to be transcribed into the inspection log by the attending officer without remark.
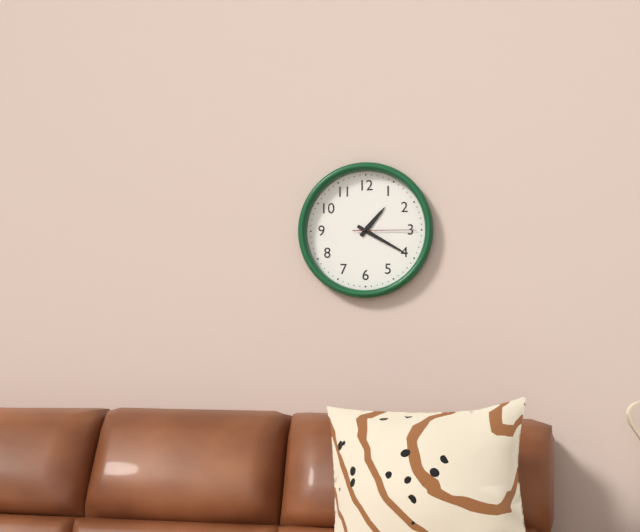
1:20:15
